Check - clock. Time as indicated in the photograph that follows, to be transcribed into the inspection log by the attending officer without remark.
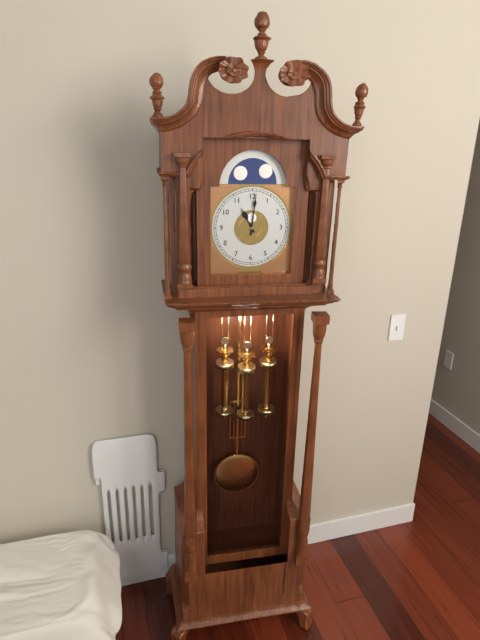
11:01
